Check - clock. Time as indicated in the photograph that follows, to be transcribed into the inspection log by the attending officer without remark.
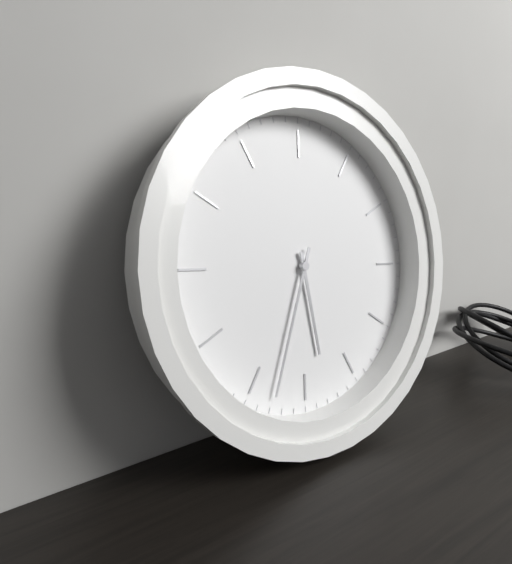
6:38
